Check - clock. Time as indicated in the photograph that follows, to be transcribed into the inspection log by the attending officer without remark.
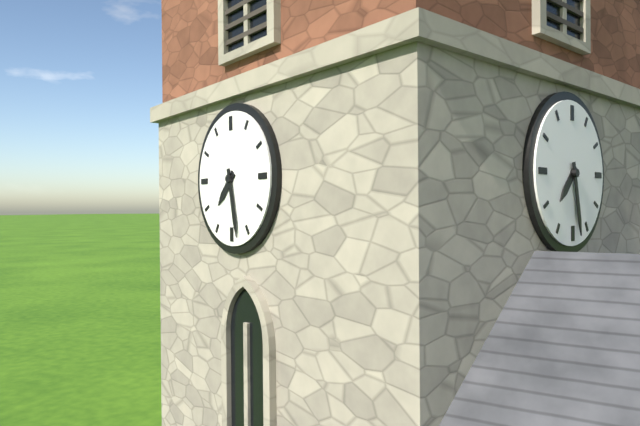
7:28
